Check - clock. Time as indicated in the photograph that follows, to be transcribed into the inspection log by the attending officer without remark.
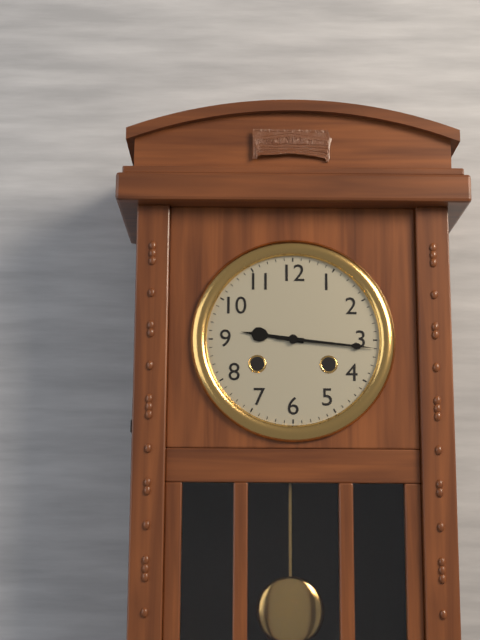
9:16
